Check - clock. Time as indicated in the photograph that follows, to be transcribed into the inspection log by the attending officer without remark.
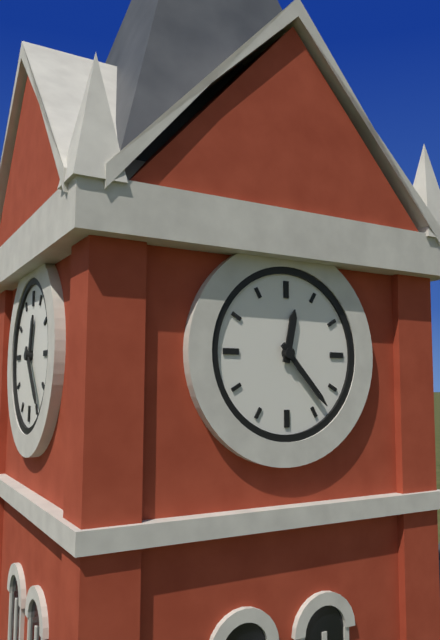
12:23
